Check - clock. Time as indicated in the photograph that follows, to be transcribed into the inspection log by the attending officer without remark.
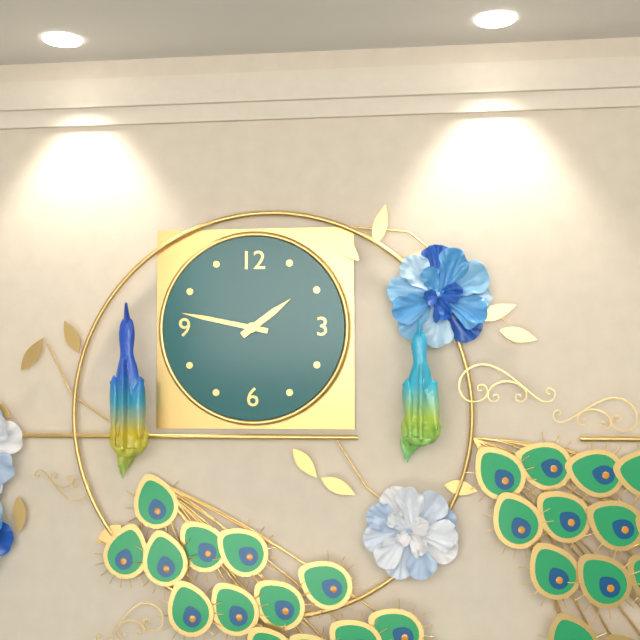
1:47
